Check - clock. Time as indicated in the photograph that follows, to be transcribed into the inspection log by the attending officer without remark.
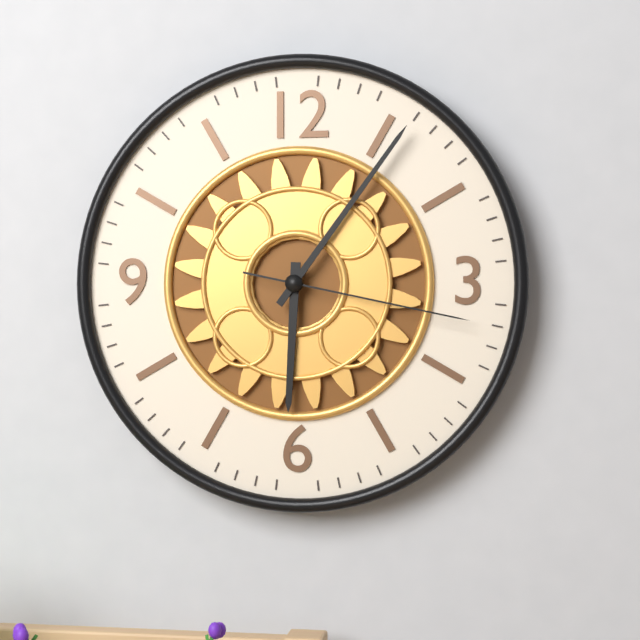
6:06:17
